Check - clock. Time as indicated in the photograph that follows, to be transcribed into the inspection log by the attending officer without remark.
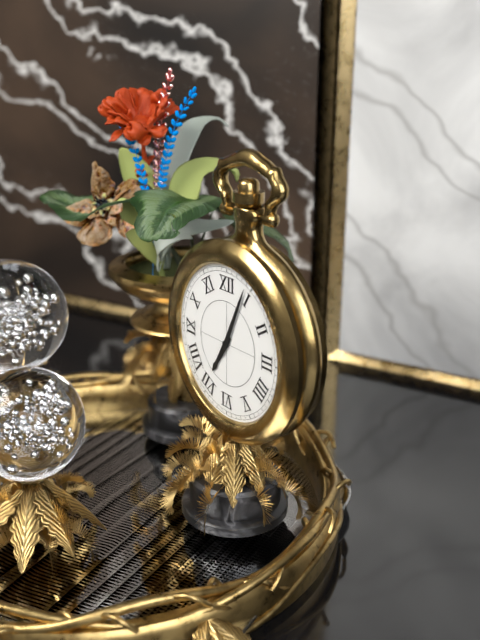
7:04
